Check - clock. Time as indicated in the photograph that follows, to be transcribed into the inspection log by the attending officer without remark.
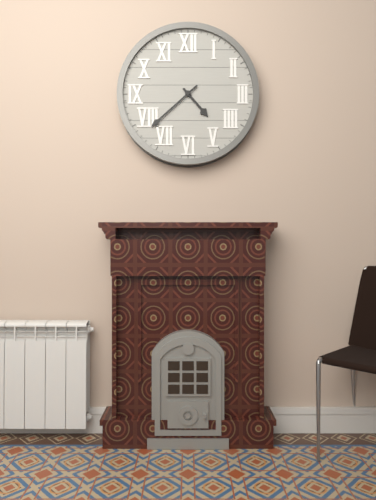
4:38
